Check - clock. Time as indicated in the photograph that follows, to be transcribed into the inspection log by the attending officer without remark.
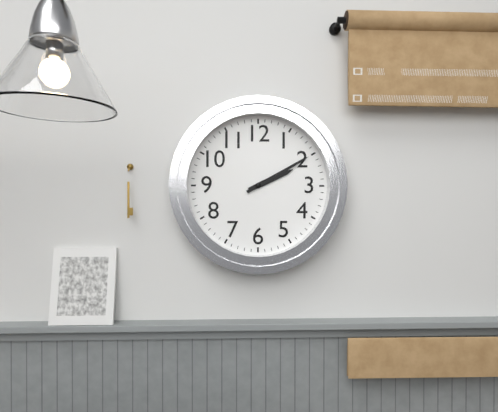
2:10
